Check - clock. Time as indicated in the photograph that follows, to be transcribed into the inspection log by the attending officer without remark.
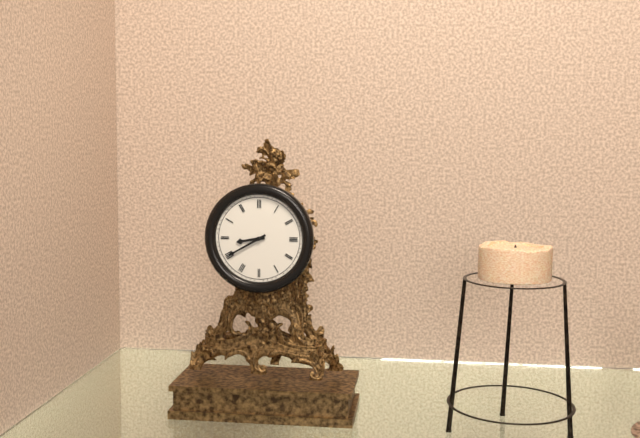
8:40
